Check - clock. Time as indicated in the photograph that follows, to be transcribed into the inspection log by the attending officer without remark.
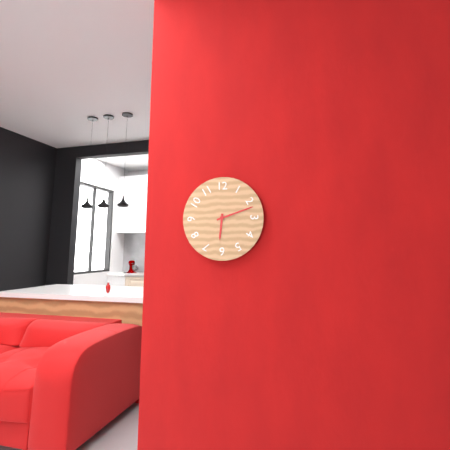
6:12
